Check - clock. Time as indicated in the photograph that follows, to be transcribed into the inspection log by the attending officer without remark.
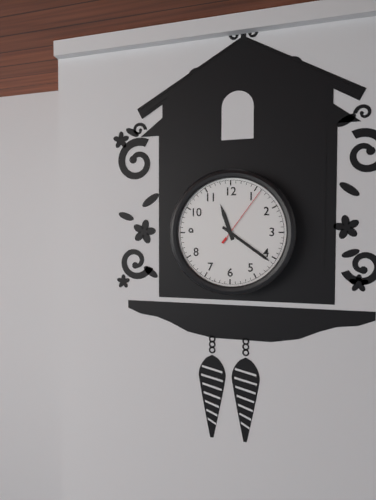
11:21:06
